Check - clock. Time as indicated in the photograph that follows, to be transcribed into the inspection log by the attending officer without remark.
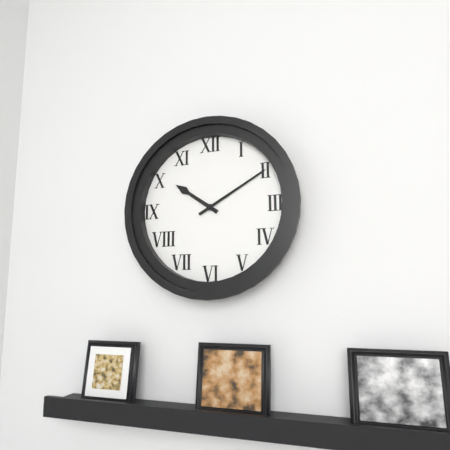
10:10
